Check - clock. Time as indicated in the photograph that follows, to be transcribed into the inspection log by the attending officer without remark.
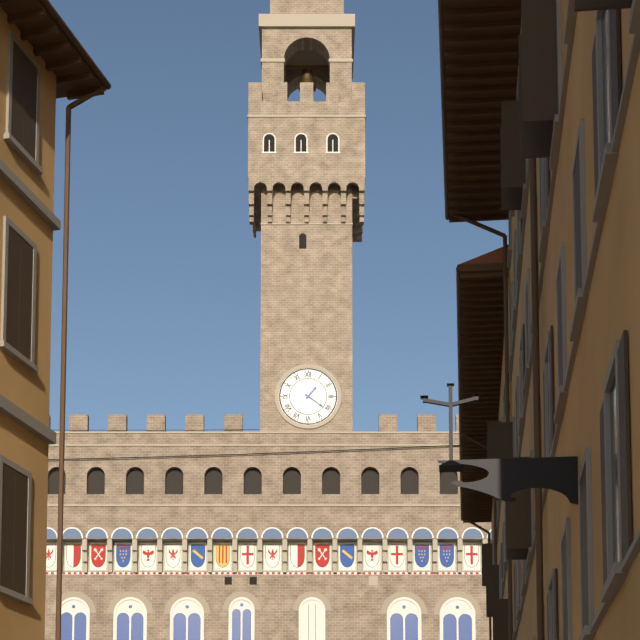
1:21
